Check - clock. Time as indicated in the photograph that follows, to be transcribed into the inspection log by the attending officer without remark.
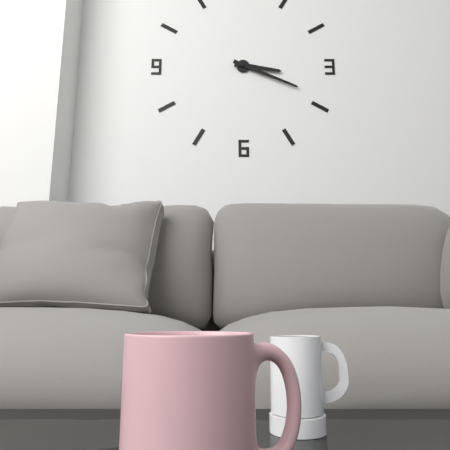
3:19
